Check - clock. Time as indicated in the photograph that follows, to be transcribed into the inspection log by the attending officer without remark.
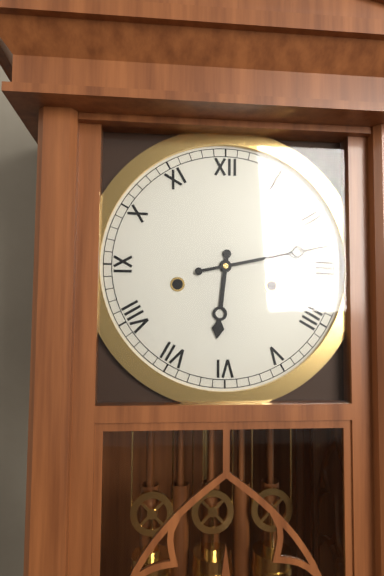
6:13
